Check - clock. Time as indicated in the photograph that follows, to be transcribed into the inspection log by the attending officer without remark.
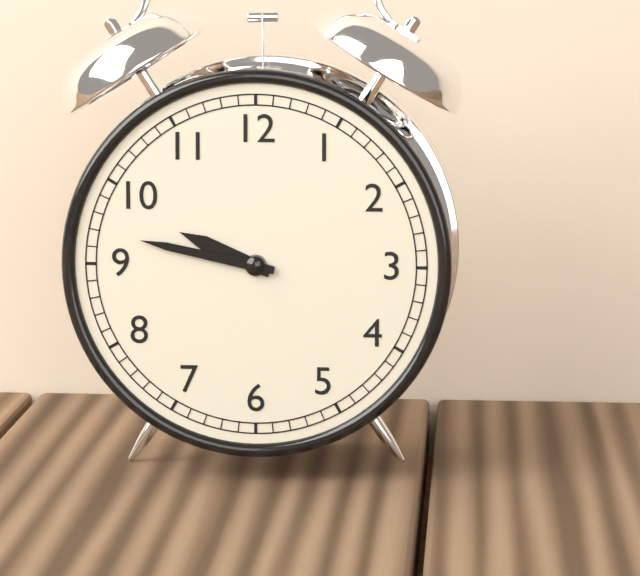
9:47
